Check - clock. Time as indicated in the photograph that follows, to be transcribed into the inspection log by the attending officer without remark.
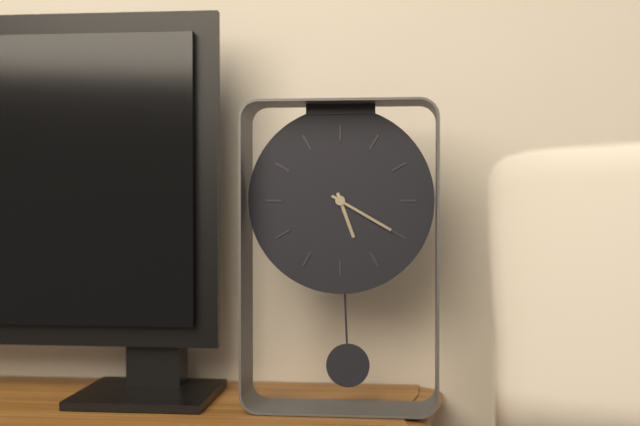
5:20
